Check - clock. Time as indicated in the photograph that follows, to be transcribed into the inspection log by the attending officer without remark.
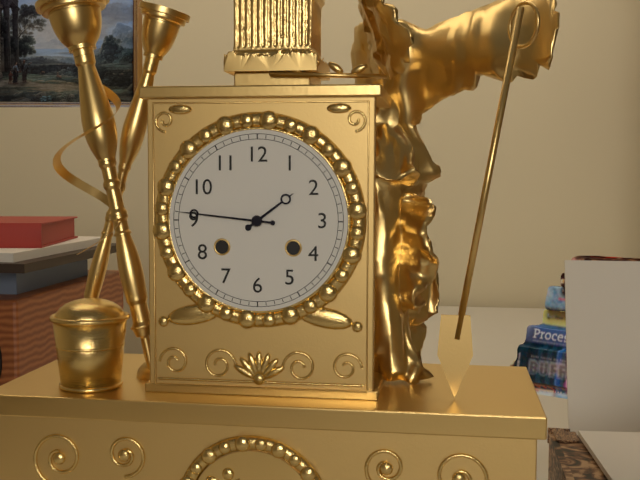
1:46
